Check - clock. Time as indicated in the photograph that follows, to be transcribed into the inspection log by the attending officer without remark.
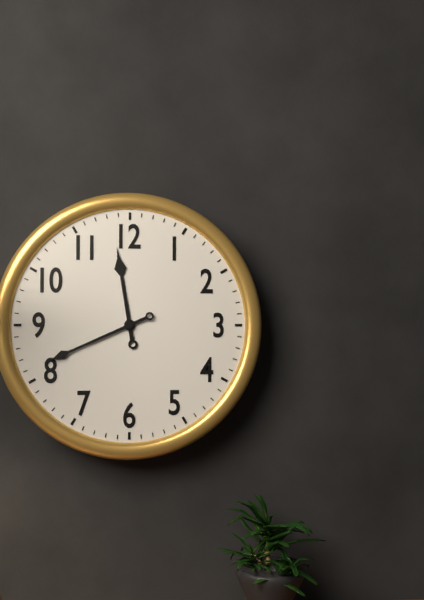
11:41
